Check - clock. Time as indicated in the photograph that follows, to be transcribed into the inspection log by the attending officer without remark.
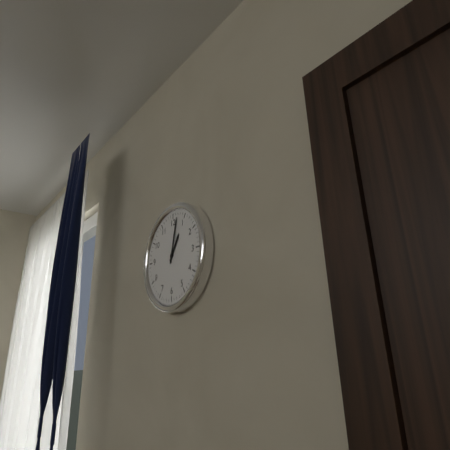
1:02
